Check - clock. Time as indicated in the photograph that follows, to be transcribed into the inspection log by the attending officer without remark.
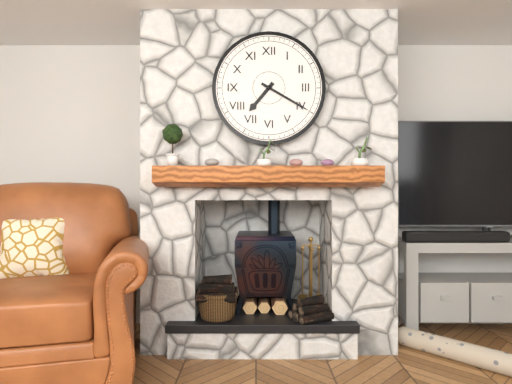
7:20
